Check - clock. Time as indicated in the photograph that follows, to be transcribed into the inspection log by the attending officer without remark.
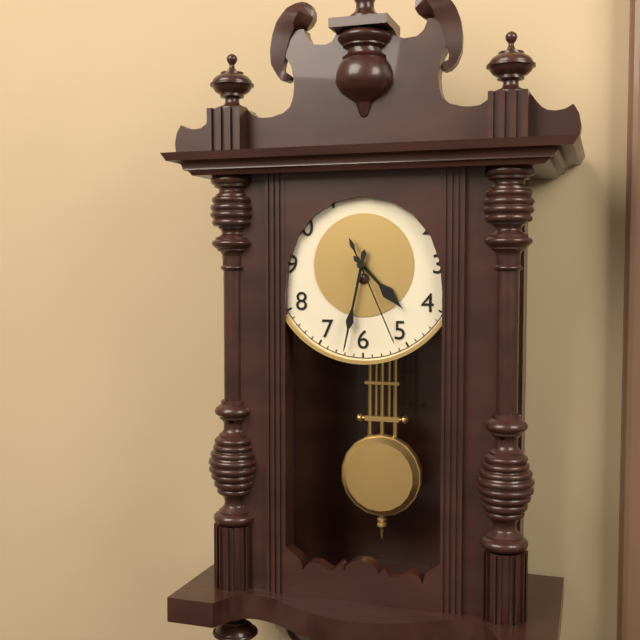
4:32:26
